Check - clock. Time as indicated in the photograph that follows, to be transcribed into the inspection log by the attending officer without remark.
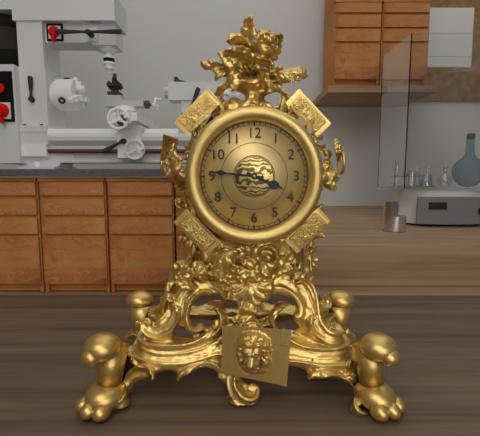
3:46
